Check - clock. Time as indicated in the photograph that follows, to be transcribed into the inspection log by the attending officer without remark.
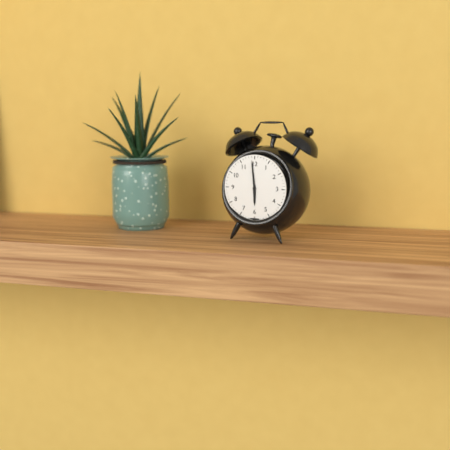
5:59
